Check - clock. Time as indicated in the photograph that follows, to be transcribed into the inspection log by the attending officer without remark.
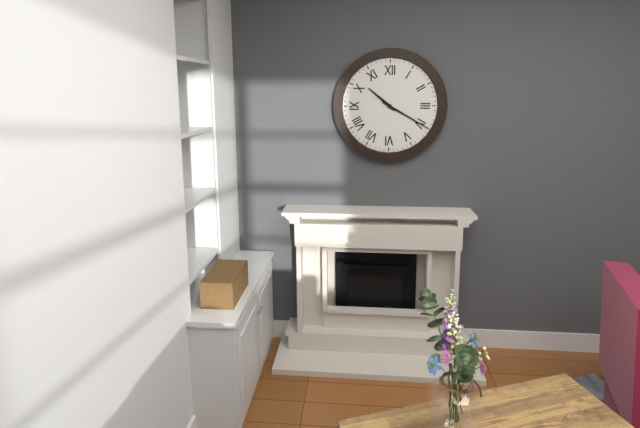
10:20
